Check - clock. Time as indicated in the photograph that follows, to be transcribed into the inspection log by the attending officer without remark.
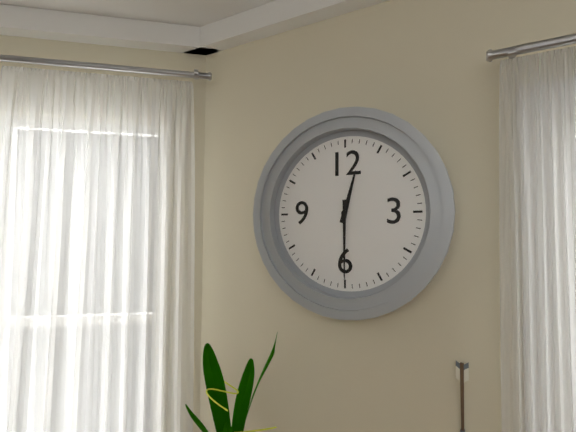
12:30
